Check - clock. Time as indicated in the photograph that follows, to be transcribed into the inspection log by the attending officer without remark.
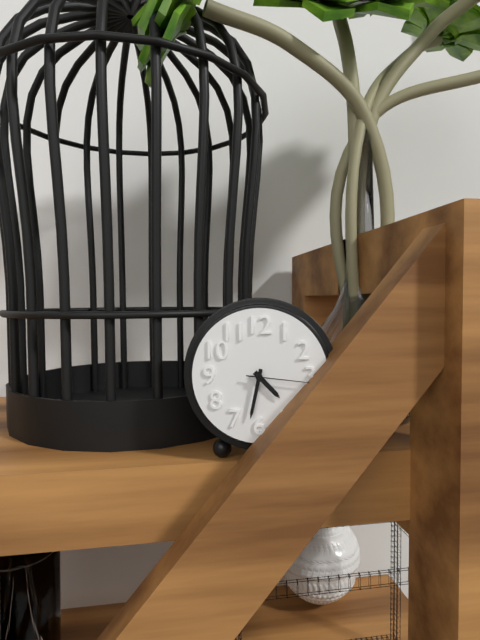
4:32:16
